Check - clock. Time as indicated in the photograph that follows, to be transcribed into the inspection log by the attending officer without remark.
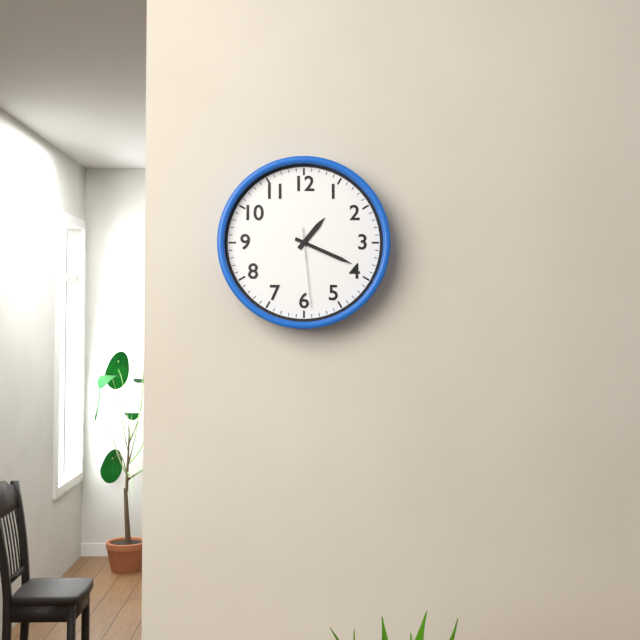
1:19:29
